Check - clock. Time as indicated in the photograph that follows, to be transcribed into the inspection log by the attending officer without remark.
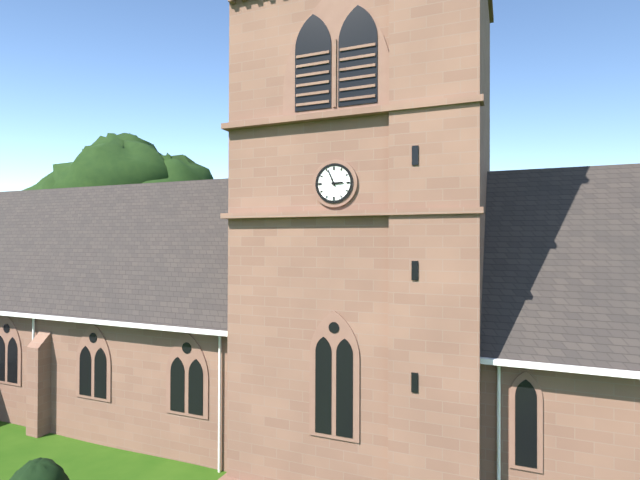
2:56
